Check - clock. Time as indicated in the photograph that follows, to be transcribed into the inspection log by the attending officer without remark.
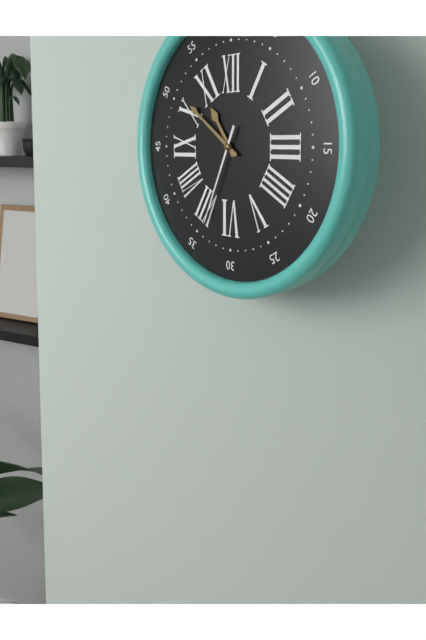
10:51:34
